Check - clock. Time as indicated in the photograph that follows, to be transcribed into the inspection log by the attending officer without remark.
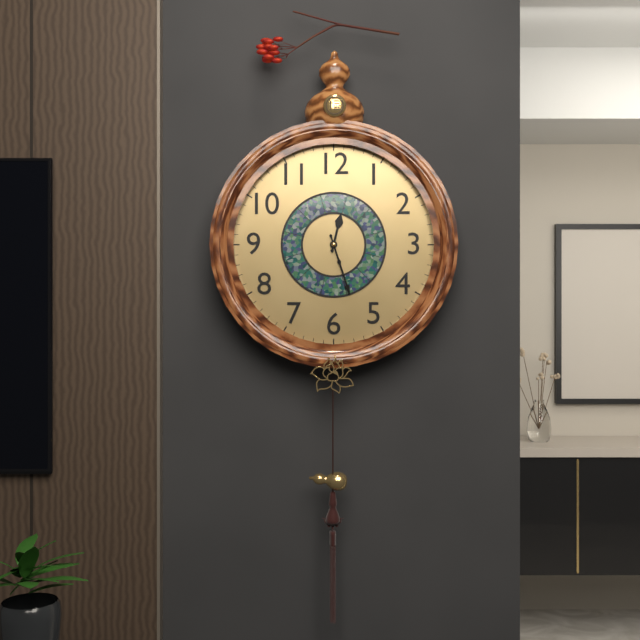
12:27
